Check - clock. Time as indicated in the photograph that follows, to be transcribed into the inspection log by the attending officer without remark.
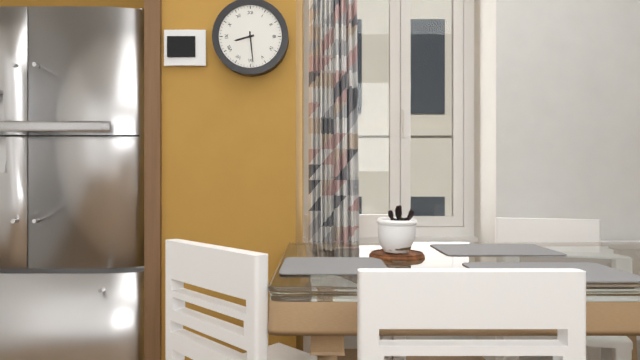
8:29
